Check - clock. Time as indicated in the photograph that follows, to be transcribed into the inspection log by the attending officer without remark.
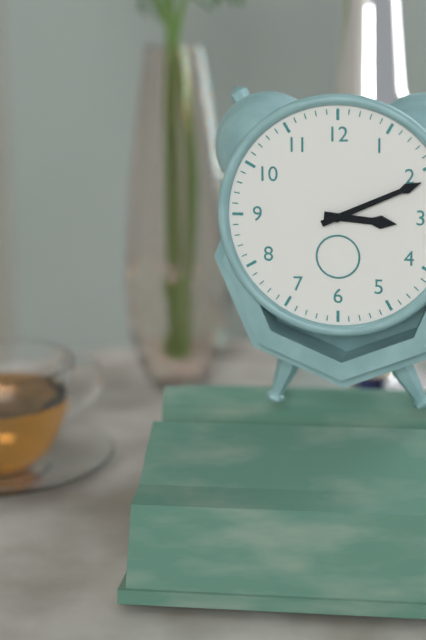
3:11
